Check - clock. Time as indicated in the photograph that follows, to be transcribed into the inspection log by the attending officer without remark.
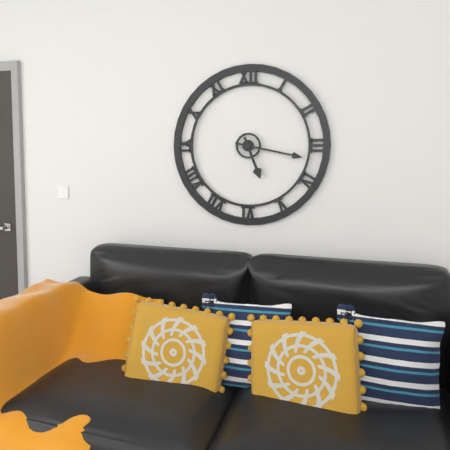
5:17
